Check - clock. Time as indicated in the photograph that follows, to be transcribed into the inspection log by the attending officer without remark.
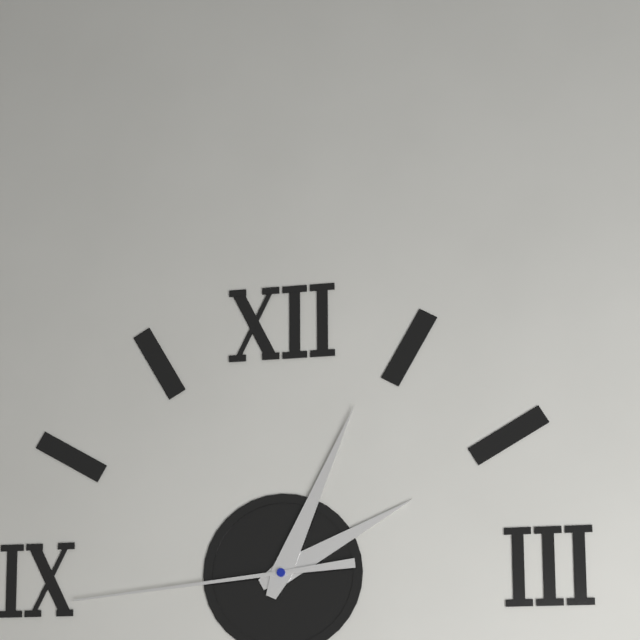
2:04:44
